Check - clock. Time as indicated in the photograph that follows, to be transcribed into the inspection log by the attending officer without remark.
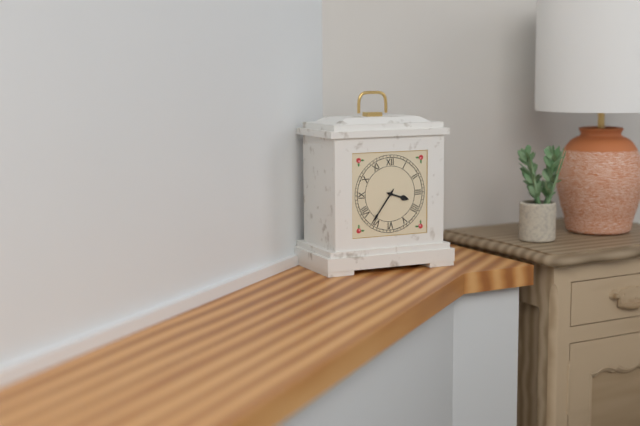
3:36
